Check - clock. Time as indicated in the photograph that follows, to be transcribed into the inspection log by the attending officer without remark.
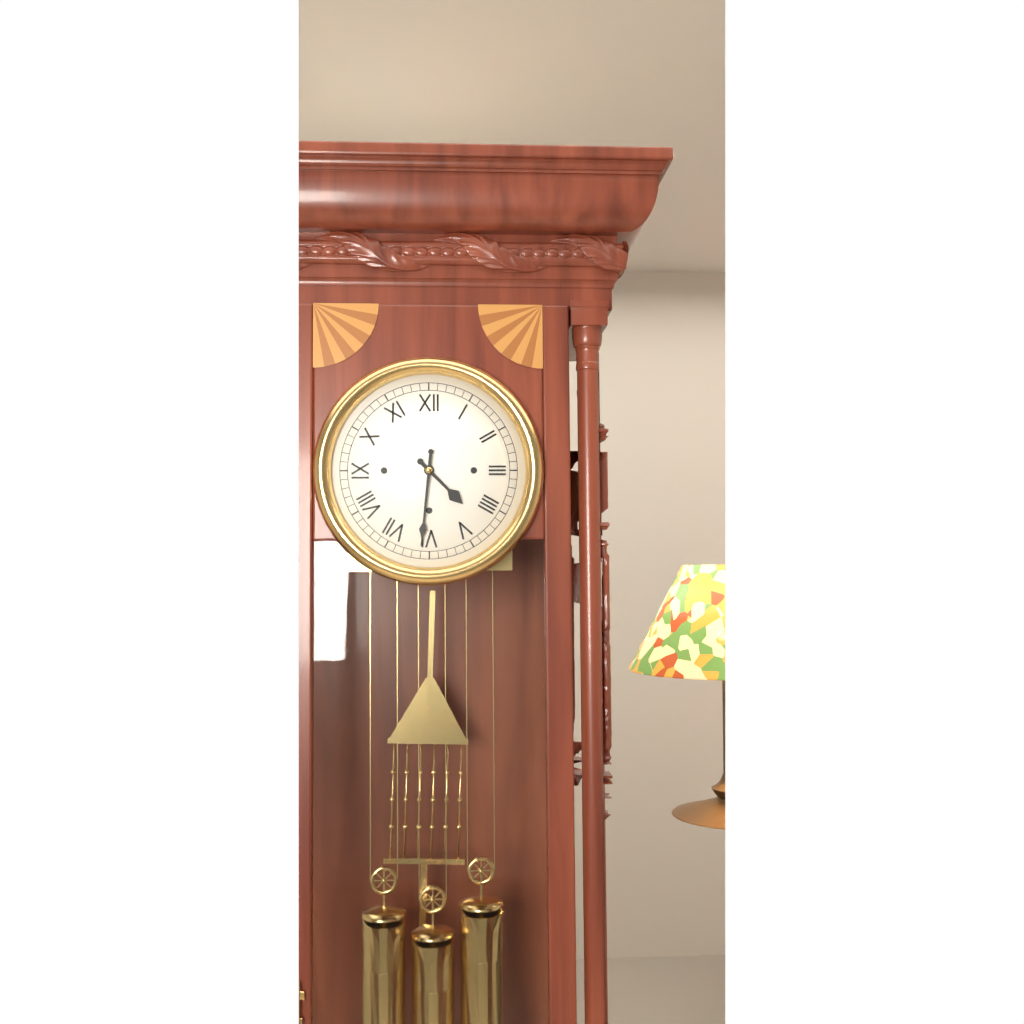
4:31
